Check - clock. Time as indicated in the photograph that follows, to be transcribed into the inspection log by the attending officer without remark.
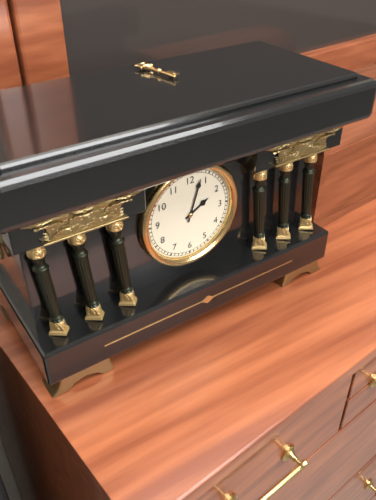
2:03
